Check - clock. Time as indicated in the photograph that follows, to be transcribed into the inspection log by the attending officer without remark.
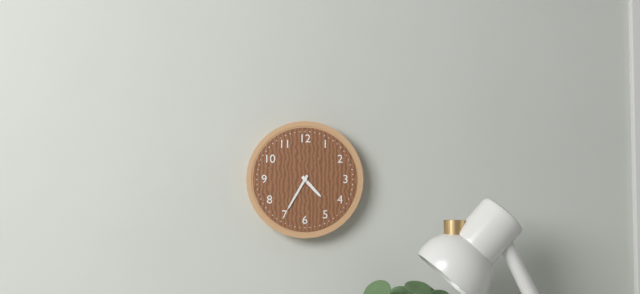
4:35
